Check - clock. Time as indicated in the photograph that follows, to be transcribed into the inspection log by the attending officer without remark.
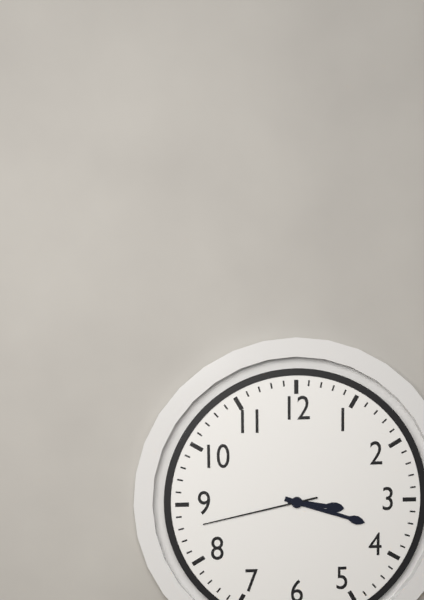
3:18:43
